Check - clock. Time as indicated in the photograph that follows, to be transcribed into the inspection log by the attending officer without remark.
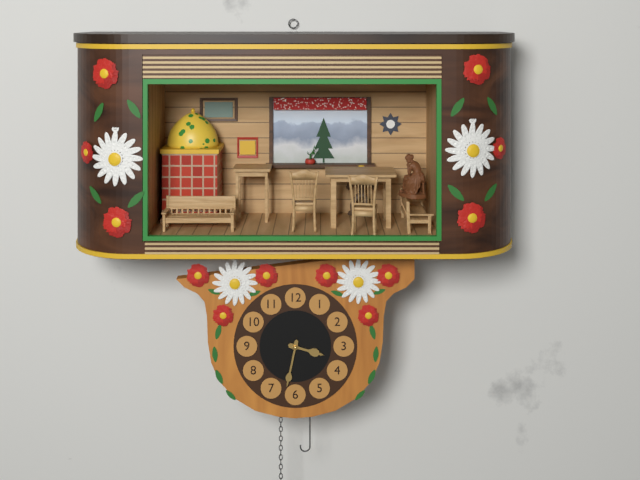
3:32
